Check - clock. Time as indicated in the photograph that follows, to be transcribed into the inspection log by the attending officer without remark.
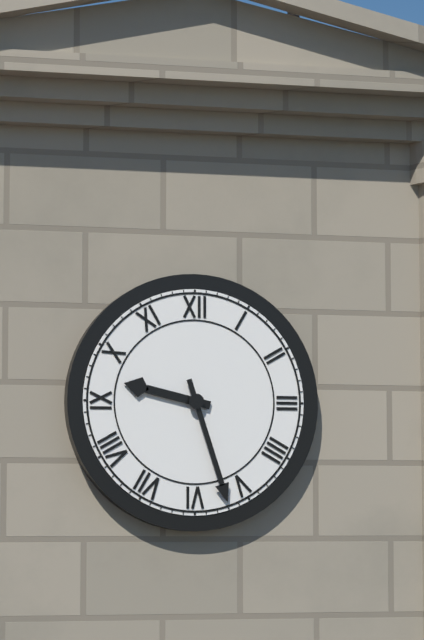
9:27
